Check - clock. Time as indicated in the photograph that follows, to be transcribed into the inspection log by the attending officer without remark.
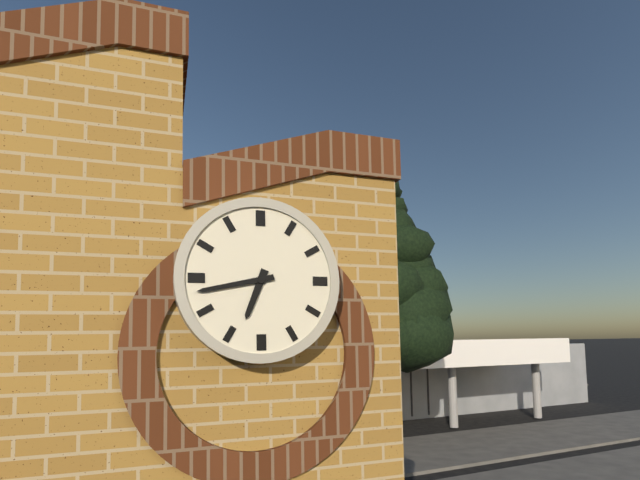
6:43
